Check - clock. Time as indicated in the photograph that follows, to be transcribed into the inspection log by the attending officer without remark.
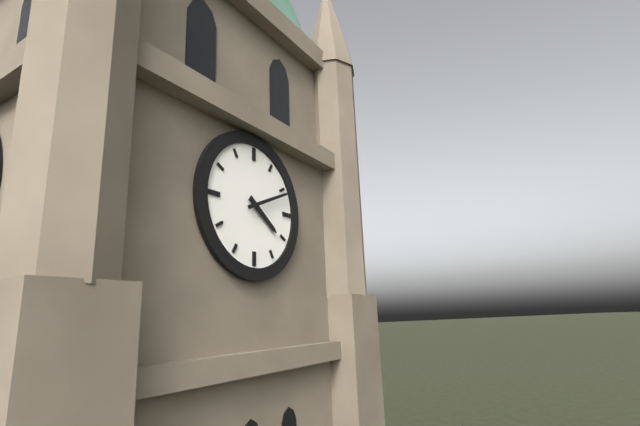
4:11
